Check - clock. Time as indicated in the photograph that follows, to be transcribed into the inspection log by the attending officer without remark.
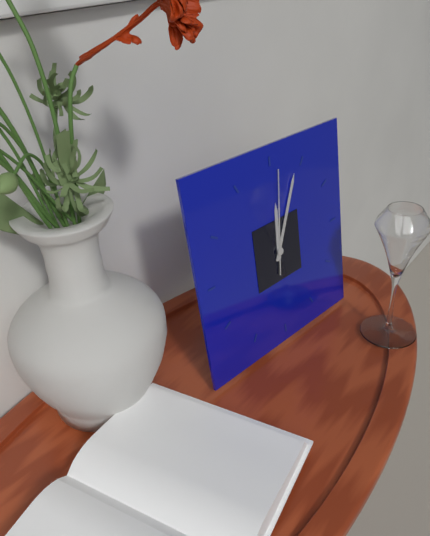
12:04:01
